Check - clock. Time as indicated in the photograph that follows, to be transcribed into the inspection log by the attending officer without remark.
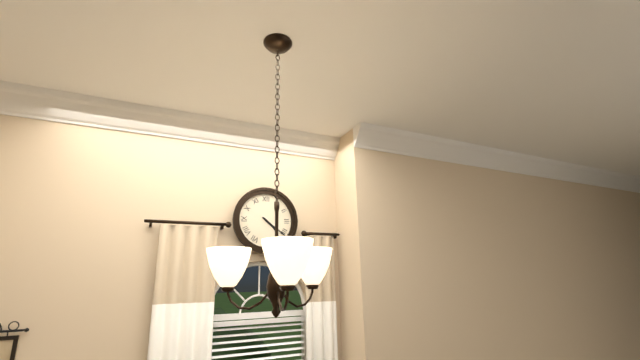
4:21
